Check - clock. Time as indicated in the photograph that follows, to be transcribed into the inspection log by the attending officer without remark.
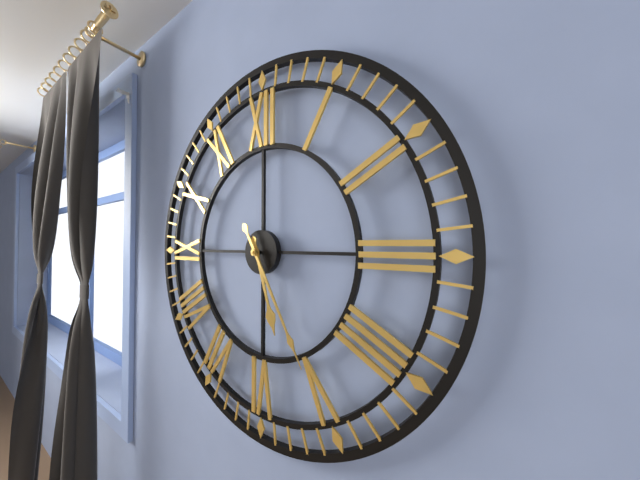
5:25
